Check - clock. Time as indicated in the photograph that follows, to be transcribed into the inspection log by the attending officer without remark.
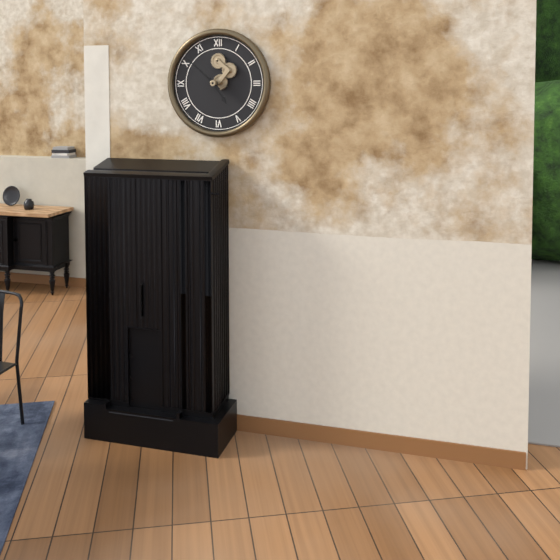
4:52
